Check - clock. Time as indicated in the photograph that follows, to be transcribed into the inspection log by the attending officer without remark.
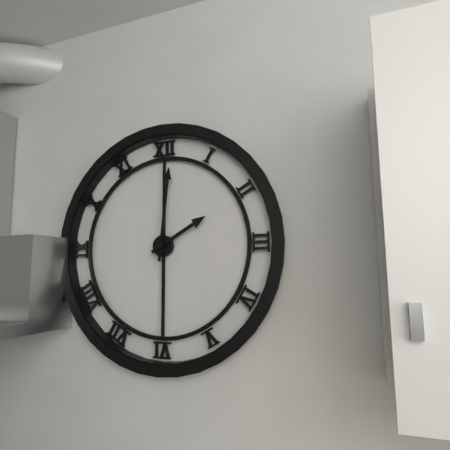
2:01
